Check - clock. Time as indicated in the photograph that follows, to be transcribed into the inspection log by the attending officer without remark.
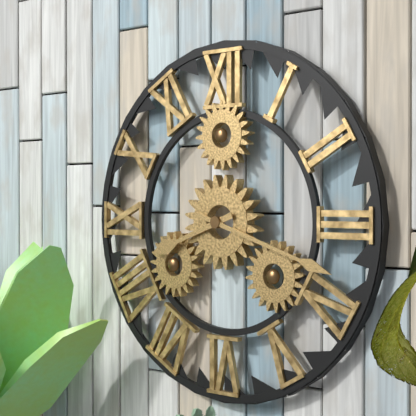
8:18
